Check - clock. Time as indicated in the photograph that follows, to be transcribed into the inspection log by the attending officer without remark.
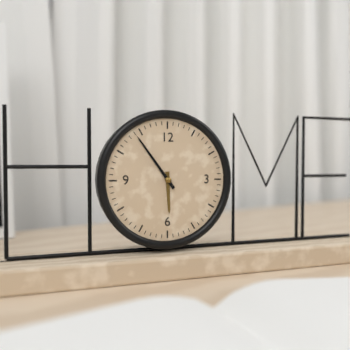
5:54
